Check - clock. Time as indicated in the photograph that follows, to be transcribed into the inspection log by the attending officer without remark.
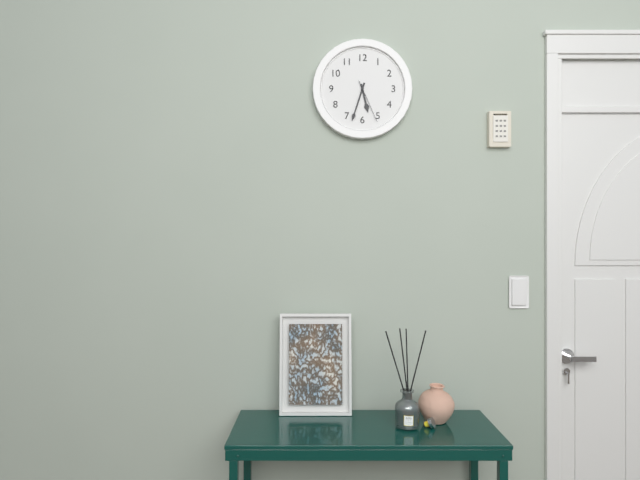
5:33
